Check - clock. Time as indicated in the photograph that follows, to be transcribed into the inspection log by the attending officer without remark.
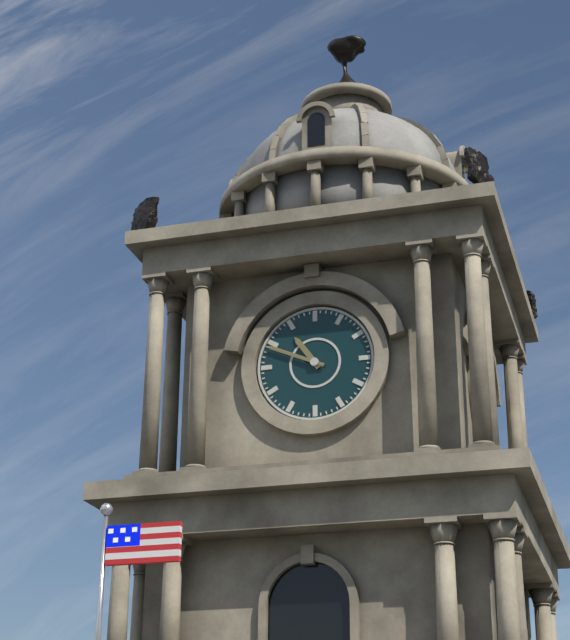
10:49
